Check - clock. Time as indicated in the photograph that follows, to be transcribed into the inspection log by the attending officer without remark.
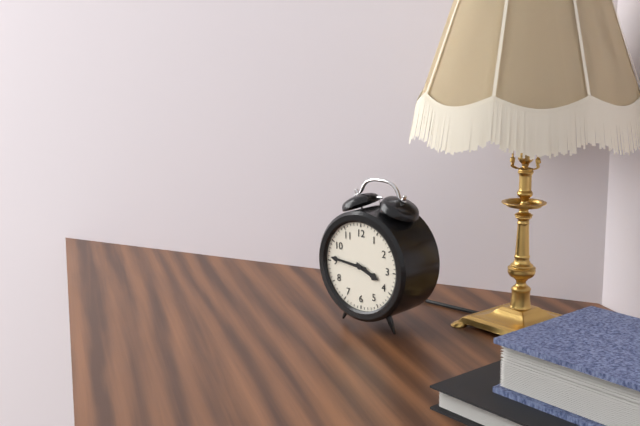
3:46
